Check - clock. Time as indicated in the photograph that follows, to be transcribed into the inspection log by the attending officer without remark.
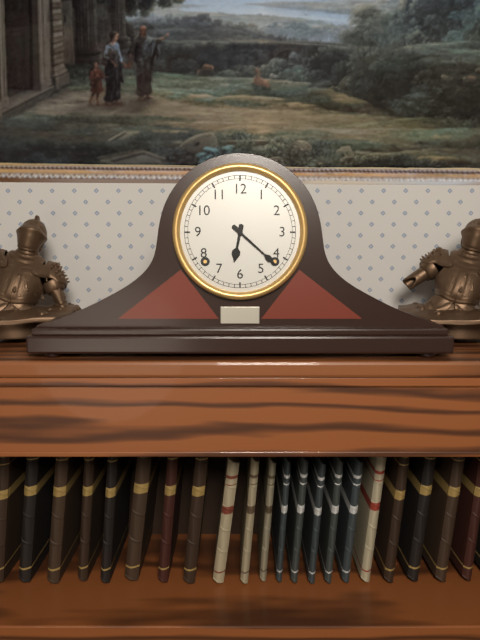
6:22
